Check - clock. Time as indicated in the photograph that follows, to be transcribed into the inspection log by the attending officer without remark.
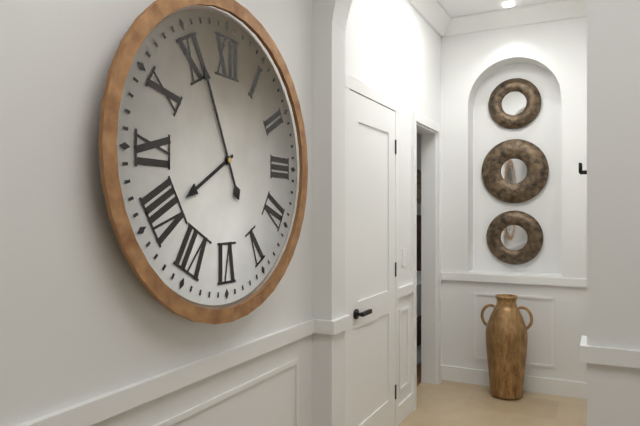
7:56
